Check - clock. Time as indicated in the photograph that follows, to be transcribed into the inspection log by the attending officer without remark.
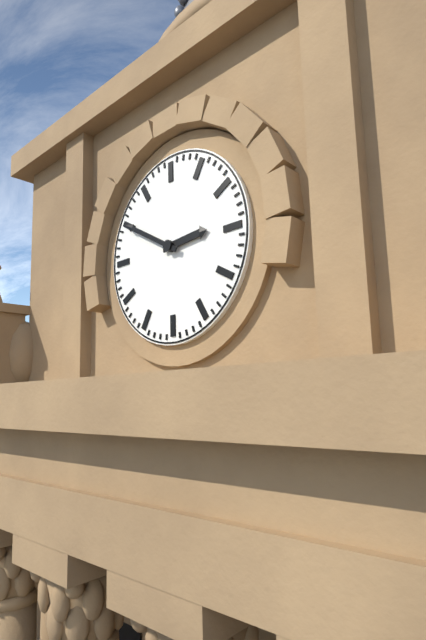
2:50
